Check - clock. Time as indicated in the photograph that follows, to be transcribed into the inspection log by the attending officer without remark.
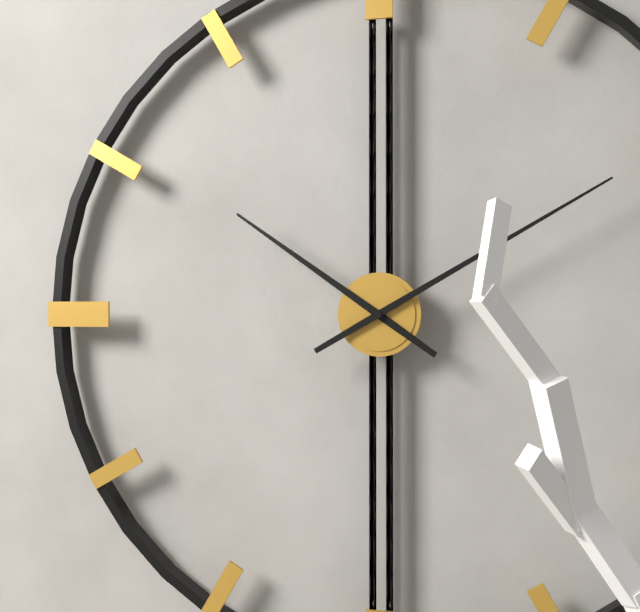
10:10
